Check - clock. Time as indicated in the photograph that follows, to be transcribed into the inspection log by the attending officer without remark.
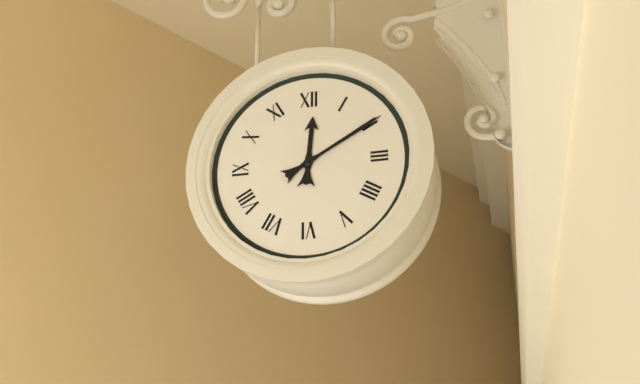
12:10
